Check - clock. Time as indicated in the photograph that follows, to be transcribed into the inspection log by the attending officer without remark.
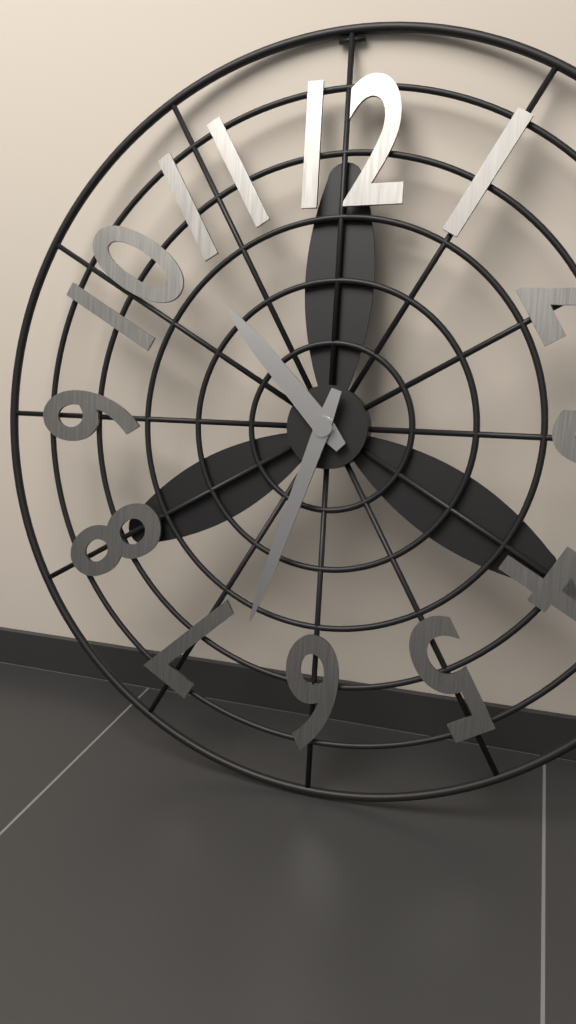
10:33
